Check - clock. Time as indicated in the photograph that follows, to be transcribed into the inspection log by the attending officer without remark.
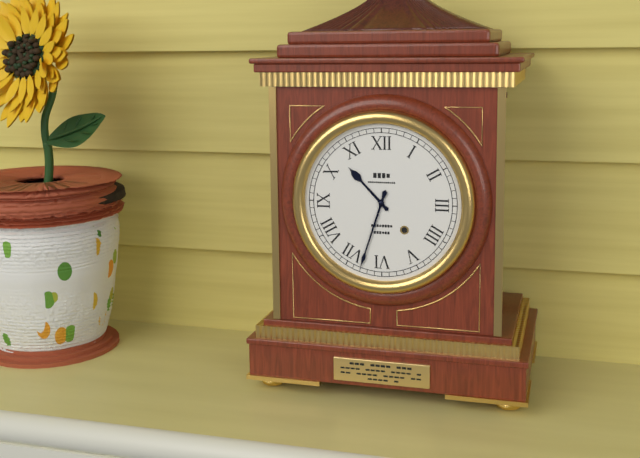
10:33
